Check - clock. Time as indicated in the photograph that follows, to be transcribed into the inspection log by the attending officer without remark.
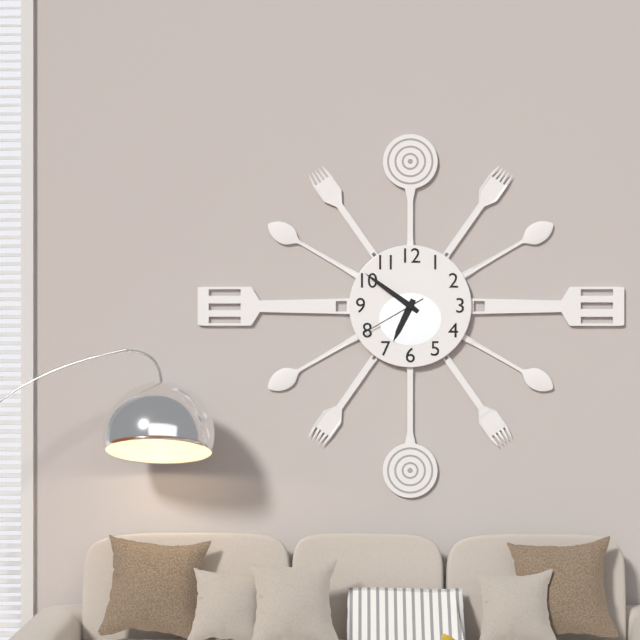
6:51:40
